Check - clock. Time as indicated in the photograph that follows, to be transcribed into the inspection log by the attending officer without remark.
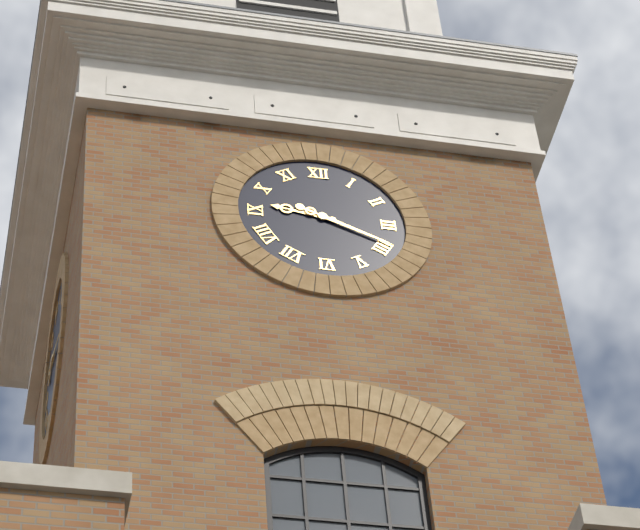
9:19
